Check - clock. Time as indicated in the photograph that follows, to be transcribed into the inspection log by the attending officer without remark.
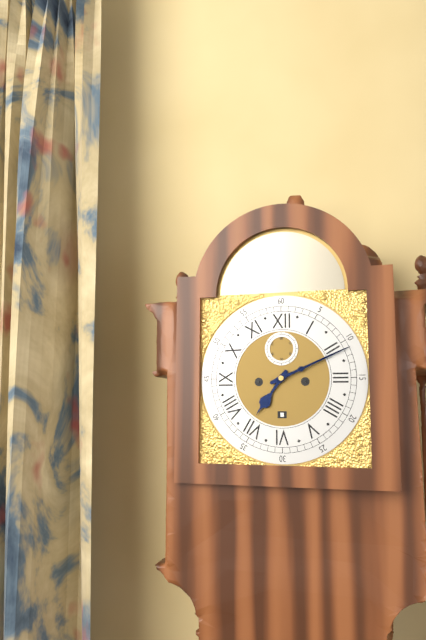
7:11
